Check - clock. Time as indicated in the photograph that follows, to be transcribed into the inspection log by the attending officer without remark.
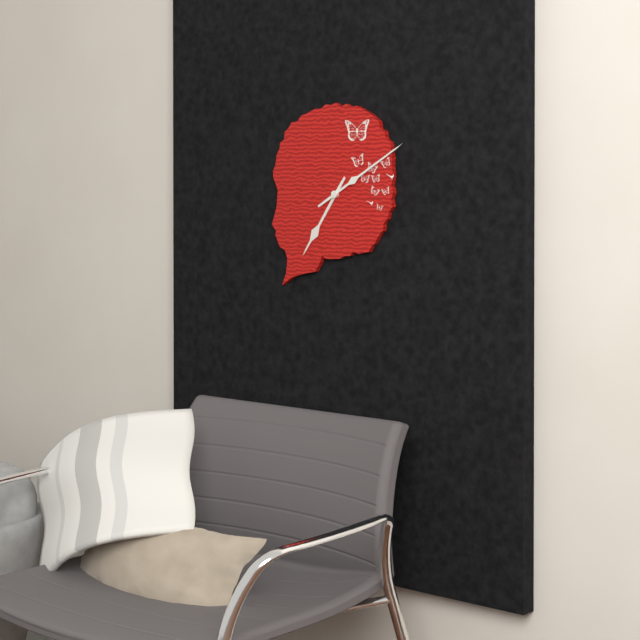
7:10
